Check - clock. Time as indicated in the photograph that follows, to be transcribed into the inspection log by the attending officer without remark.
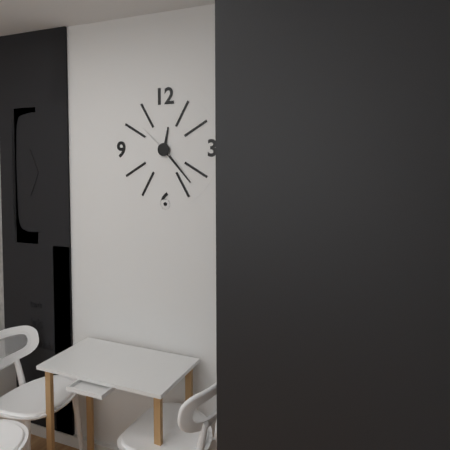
12:23
